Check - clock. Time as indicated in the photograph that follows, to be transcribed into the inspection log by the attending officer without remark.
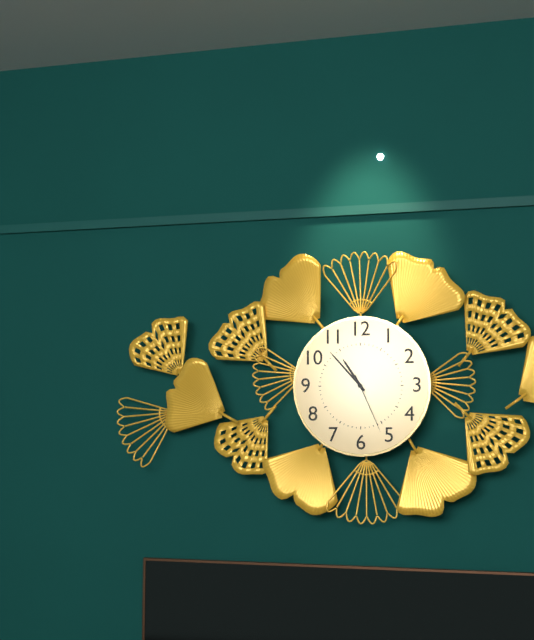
10:53:26
